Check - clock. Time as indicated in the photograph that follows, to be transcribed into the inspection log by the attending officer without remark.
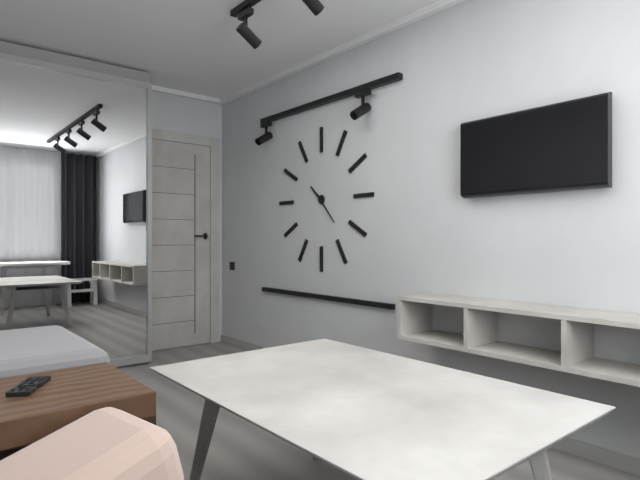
10:23
